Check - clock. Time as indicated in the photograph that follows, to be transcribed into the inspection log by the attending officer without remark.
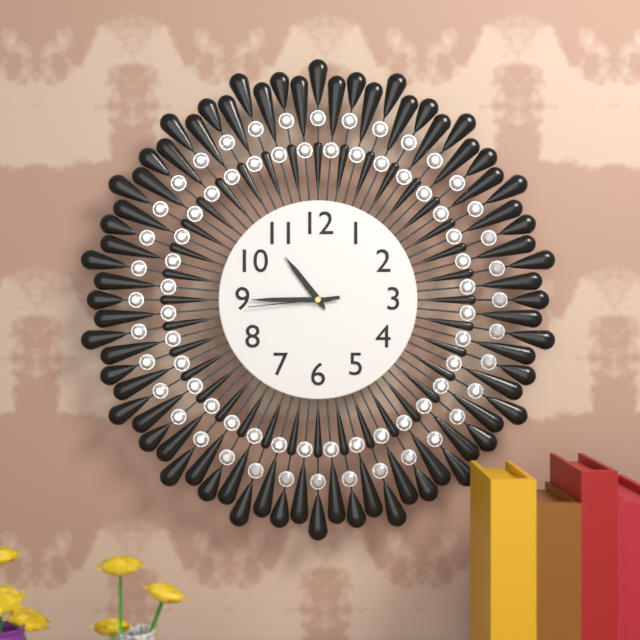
10:45:44
